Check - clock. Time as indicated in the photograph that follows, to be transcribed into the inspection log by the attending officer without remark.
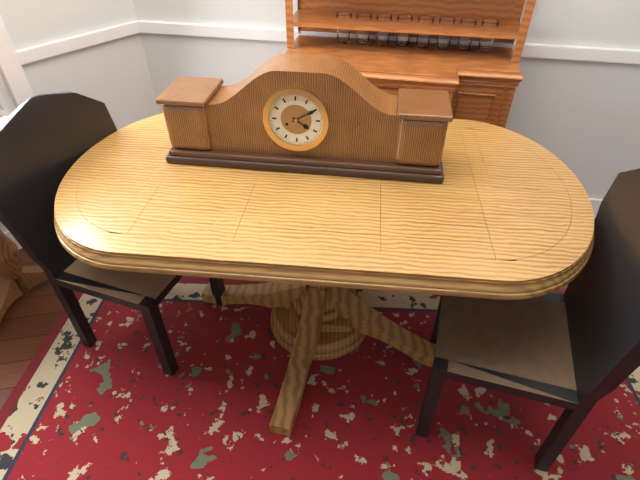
4:10
